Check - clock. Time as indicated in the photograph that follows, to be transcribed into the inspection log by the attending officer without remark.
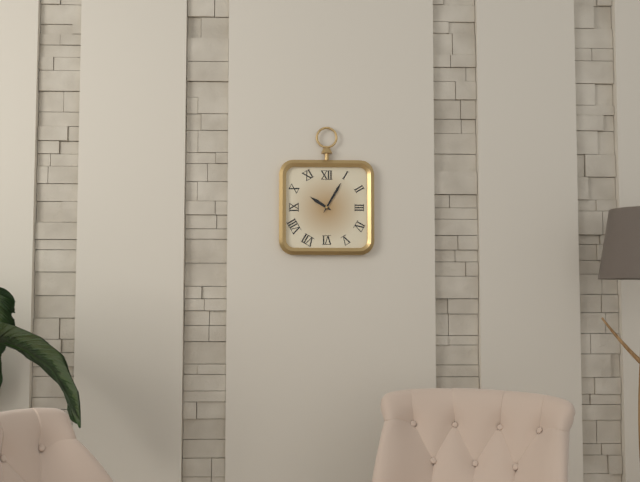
10:05
